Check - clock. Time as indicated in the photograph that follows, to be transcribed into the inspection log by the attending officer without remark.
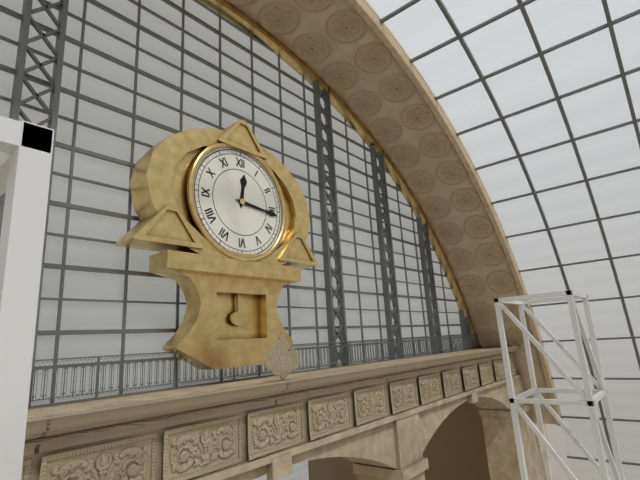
12:16
